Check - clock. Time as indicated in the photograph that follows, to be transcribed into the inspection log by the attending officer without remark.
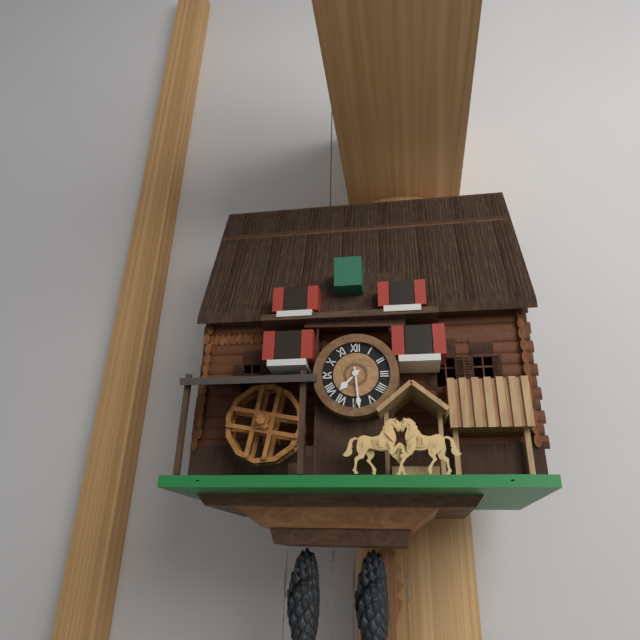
7:29
